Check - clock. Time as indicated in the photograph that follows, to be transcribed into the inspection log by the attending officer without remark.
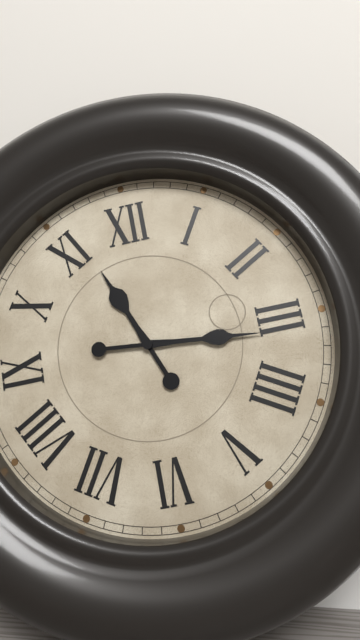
11:16
